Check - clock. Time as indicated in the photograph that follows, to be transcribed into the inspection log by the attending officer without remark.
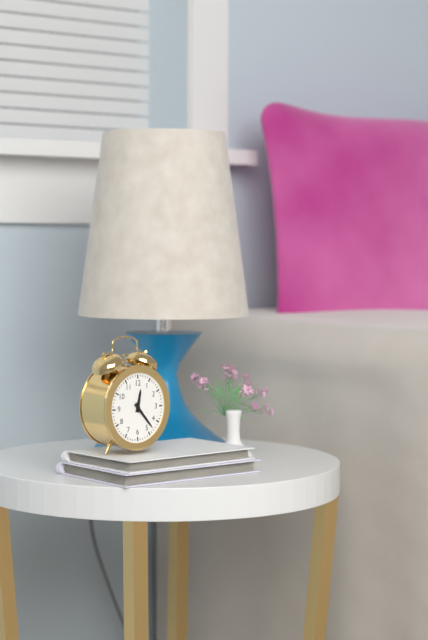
12:23
